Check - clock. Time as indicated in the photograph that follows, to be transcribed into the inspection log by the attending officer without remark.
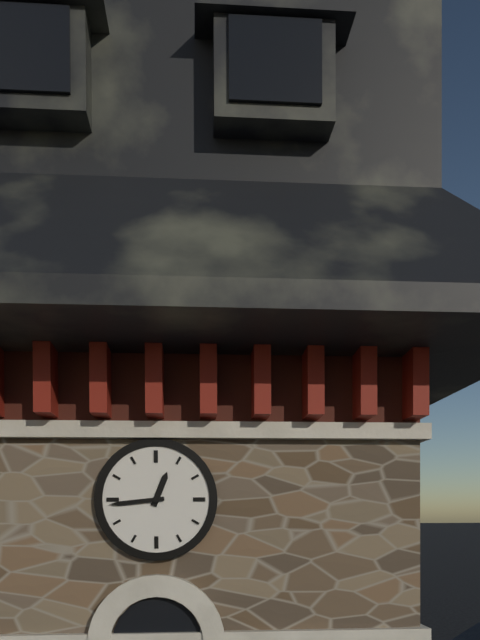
12:44
